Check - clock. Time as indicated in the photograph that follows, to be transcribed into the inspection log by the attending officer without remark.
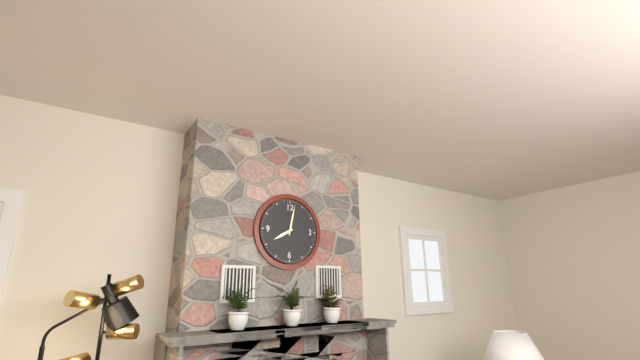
8:02
